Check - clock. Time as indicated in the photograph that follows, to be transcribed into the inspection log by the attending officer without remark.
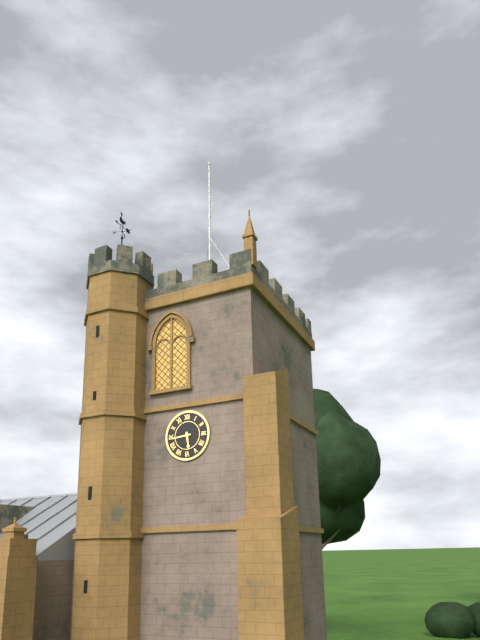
5:44
